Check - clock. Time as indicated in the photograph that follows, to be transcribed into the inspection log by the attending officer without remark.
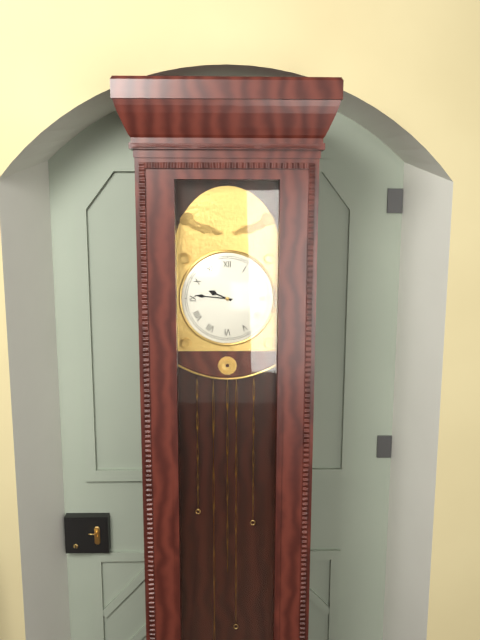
9:46
